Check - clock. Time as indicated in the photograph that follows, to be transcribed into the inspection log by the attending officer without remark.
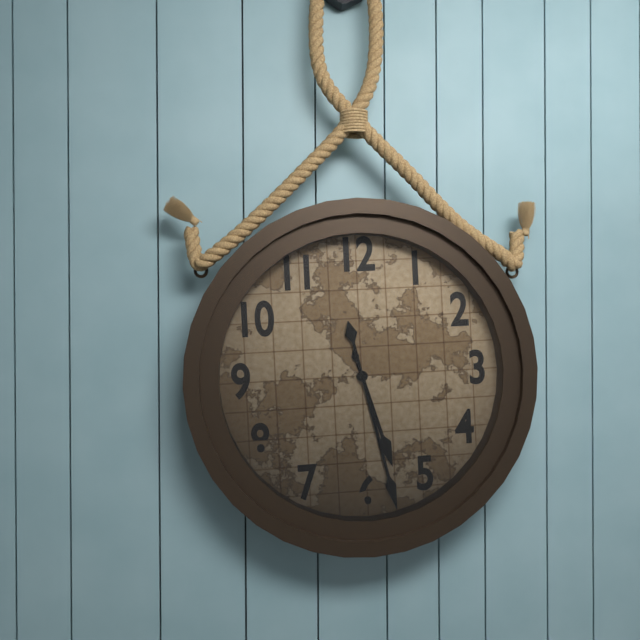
5:28
